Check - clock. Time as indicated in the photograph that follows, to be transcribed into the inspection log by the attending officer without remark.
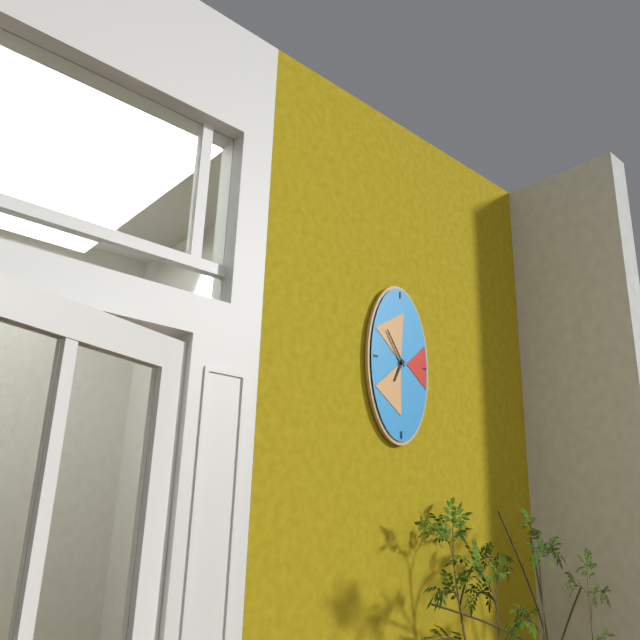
6:54
